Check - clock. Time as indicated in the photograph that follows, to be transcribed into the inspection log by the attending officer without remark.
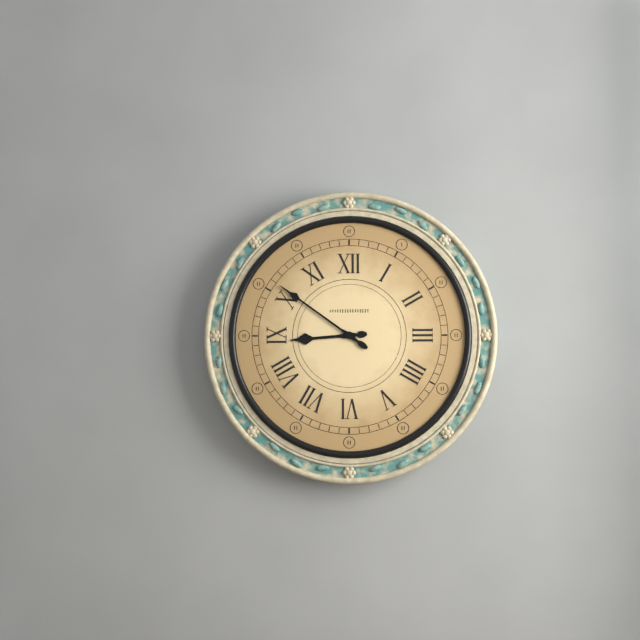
8:51
